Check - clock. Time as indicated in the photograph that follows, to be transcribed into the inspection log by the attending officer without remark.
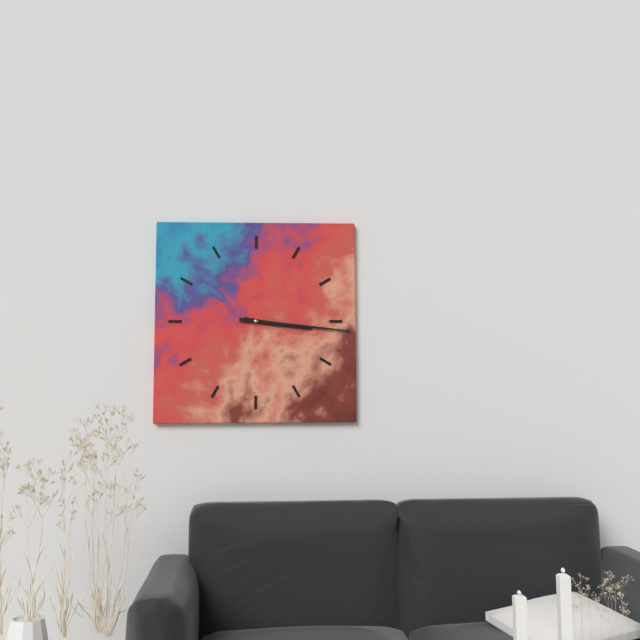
3:16
